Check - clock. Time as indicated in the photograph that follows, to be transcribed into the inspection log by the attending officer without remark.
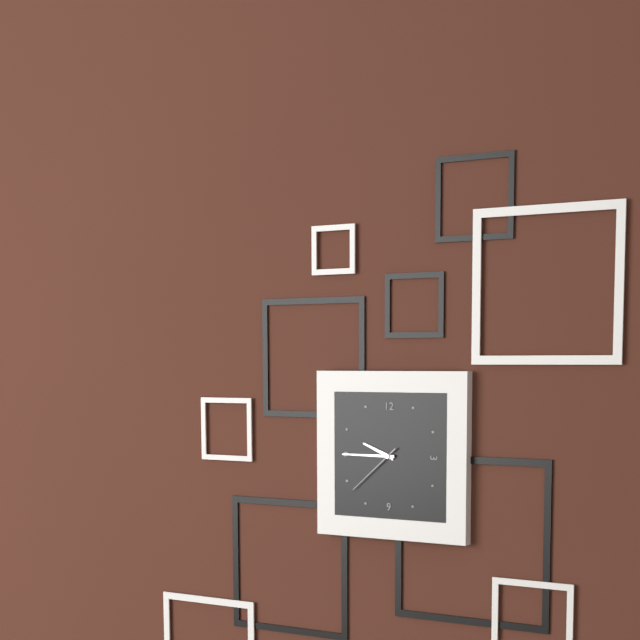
9:45:38
